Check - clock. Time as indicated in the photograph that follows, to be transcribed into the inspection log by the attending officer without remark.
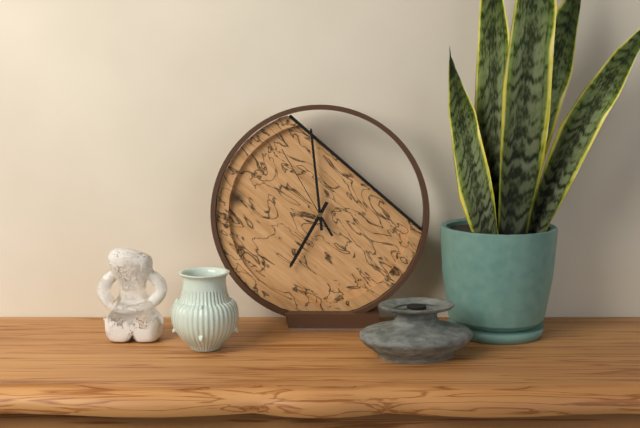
6:59:55
